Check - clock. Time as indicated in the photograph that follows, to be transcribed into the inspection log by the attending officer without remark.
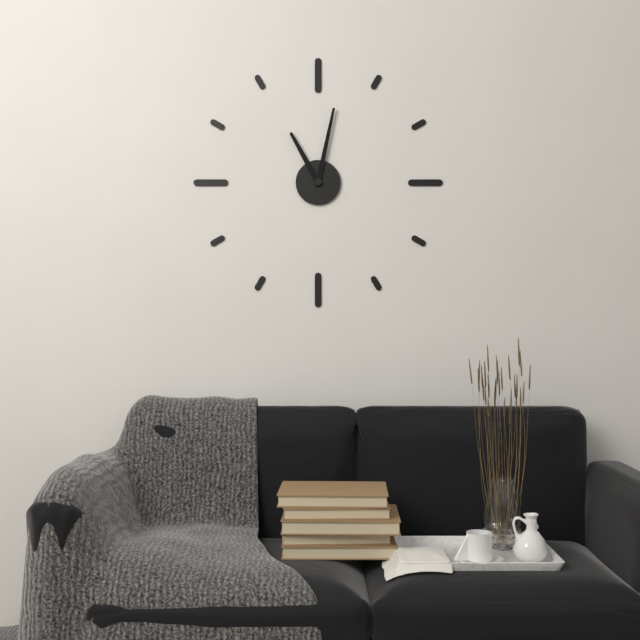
11:02
